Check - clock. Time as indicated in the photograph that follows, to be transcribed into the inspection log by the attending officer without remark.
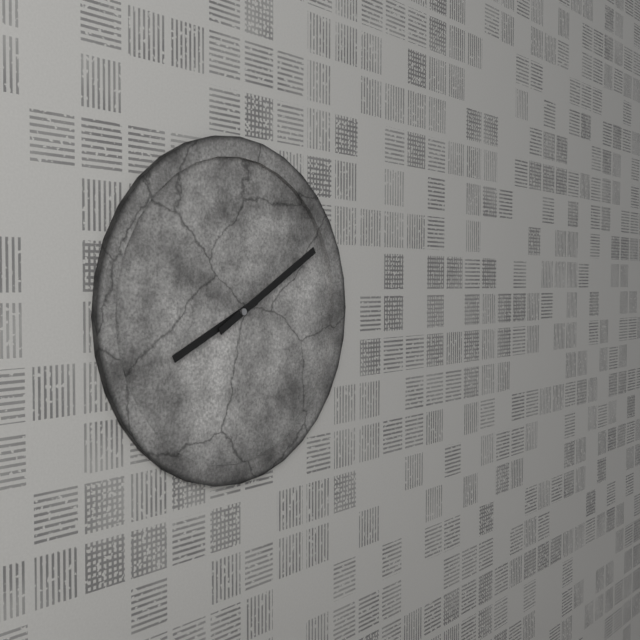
8:10
